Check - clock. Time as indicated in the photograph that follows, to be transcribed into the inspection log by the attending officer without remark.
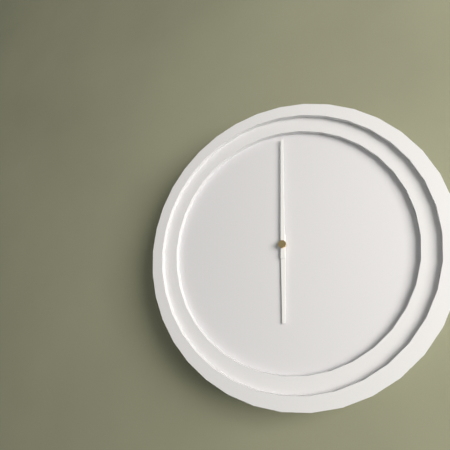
6:00
